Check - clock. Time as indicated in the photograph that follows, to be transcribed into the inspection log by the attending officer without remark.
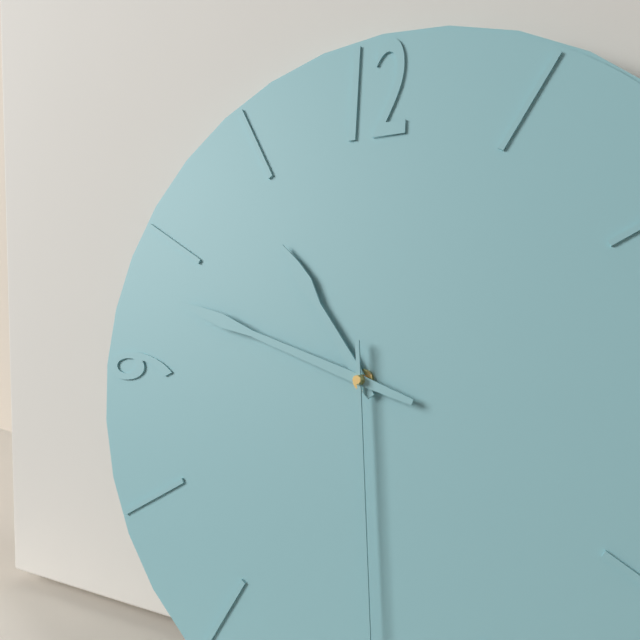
10:48
